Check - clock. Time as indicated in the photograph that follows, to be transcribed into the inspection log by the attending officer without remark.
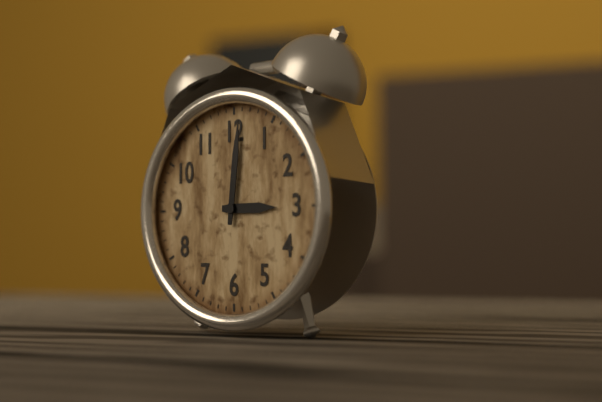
3:01
